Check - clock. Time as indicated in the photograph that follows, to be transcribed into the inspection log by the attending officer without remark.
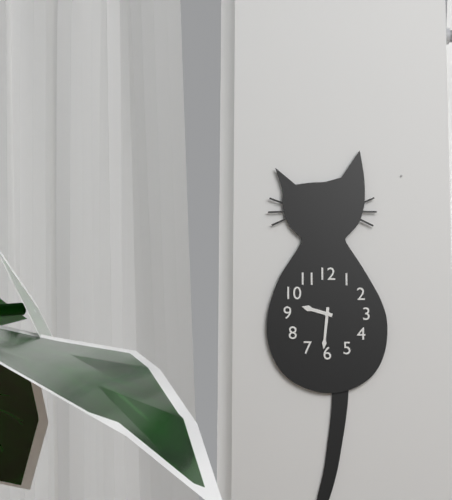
9:31
